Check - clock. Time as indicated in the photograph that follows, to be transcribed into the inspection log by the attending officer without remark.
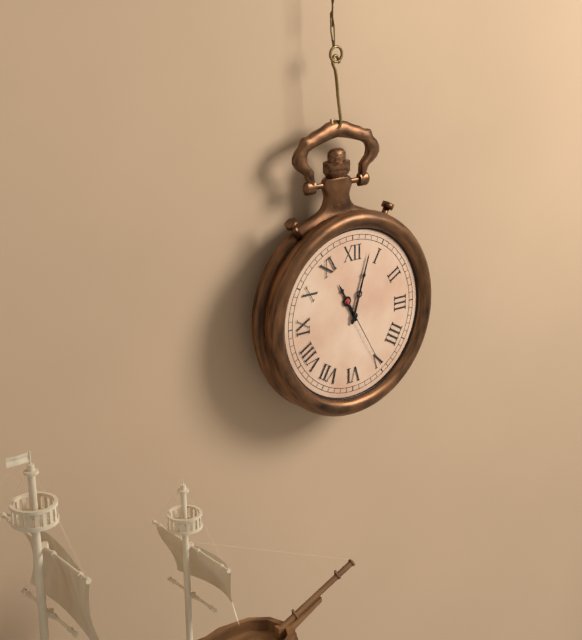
11:03:25
